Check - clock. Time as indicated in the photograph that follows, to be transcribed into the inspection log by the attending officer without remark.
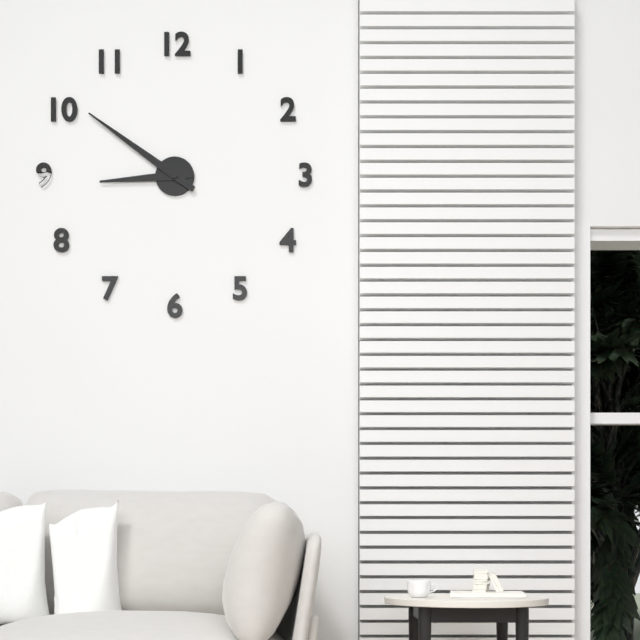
8:51
